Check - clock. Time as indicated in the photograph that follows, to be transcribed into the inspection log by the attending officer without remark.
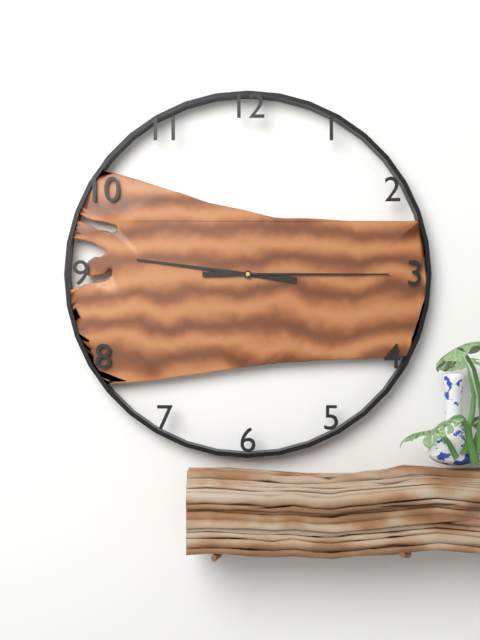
9:15
